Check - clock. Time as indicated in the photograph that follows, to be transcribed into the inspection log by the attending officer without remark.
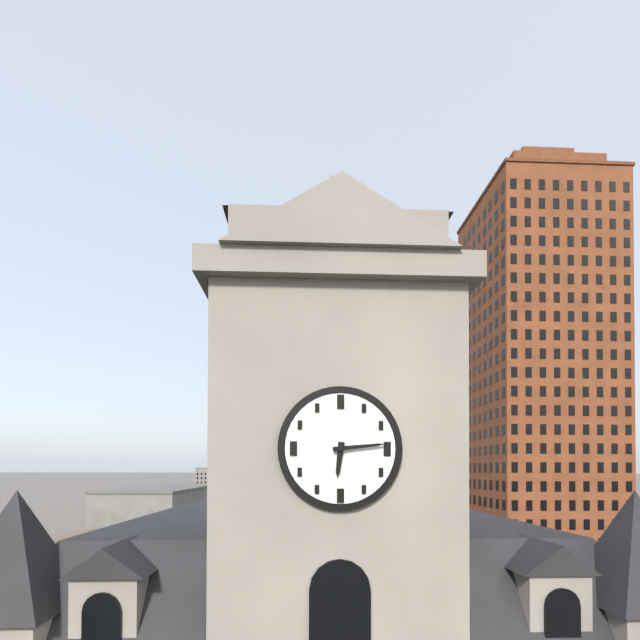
6:14
